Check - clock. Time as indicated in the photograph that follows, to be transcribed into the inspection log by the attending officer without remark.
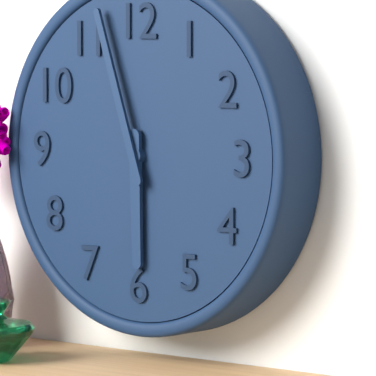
5:57
